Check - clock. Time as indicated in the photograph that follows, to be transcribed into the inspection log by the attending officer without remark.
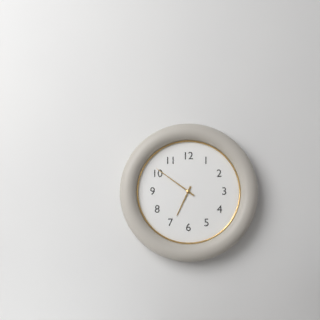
6:51
